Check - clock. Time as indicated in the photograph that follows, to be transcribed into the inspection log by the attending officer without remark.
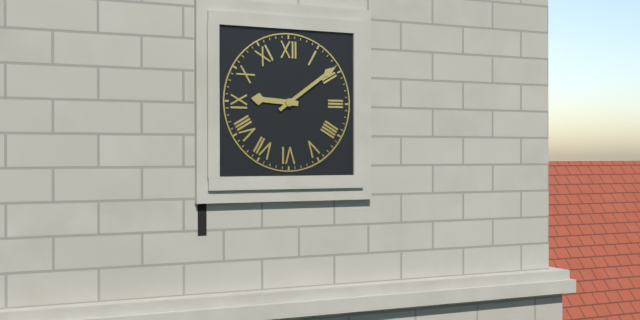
9:09
